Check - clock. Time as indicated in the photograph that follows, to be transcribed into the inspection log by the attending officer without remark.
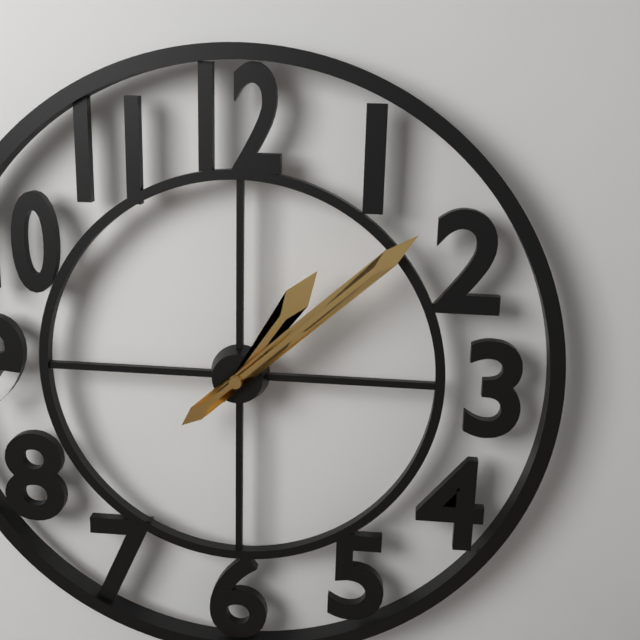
1:08
